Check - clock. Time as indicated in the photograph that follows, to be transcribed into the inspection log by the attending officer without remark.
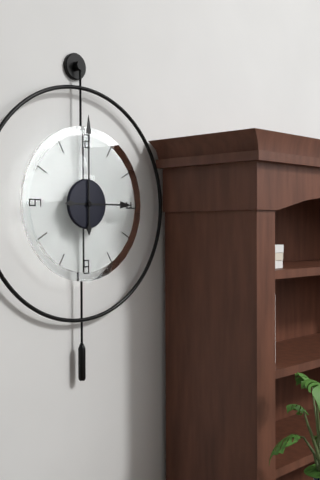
3:00
